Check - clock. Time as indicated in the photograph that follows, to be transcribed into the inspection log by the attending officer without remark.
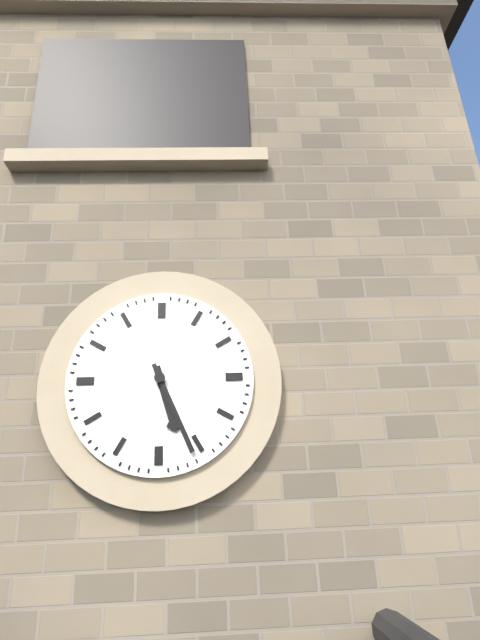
5:26
